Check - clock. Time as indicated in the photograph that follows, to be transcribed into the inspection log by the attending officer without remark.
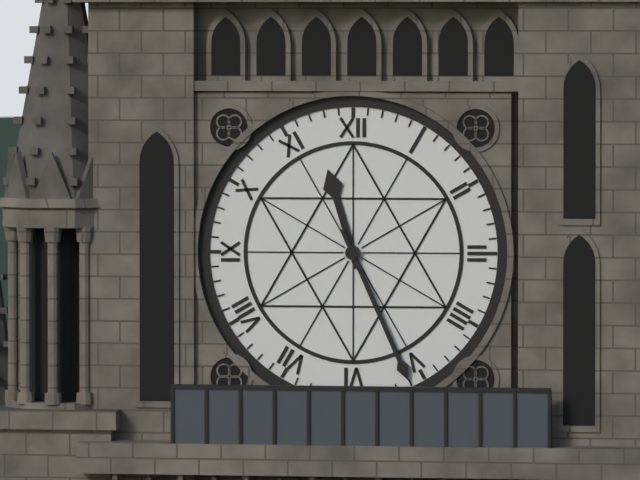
11:26
